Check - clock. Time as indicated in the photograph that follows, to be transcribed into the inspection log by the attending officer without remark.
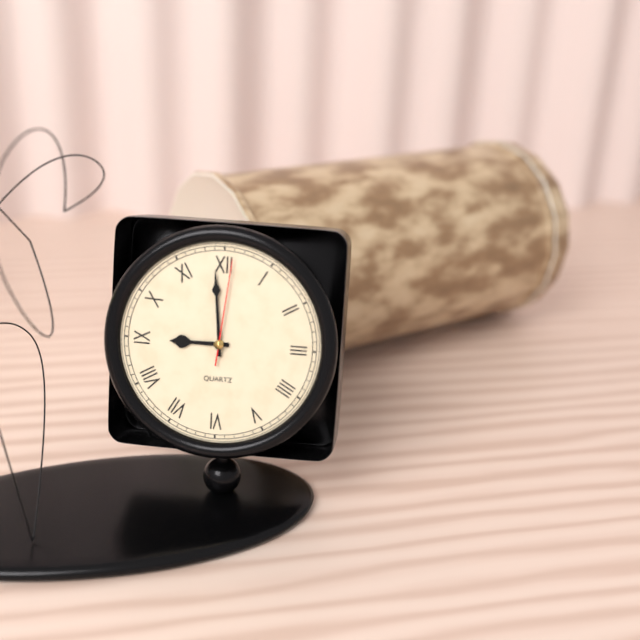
8:59:01
